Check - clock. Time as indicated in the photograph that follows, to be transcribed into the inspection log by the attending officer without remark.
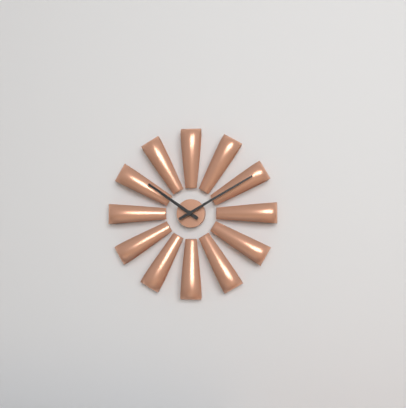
10:10
